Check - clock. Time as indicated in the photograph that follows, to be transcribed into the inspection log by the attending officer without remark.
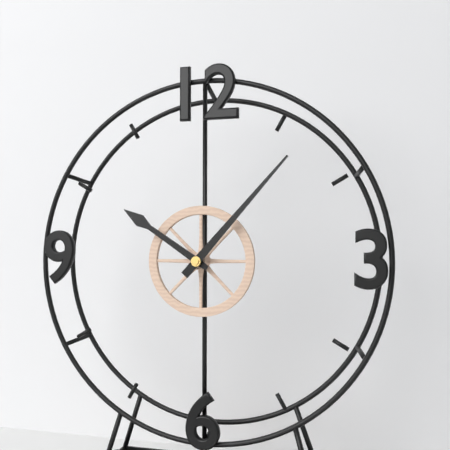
10:07
